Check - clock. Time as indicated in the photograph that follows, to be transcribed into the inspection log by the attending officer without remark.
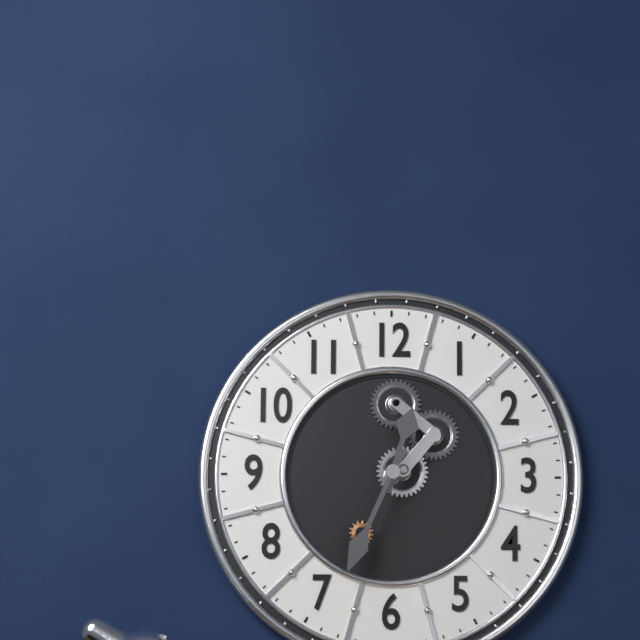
12:34
